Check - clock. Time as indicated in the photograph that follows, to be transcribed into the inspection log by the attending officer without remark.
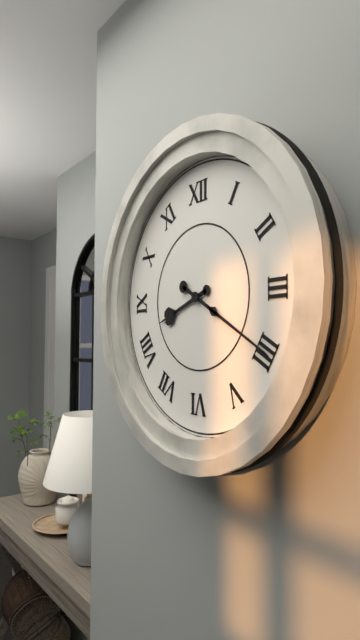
8:20
